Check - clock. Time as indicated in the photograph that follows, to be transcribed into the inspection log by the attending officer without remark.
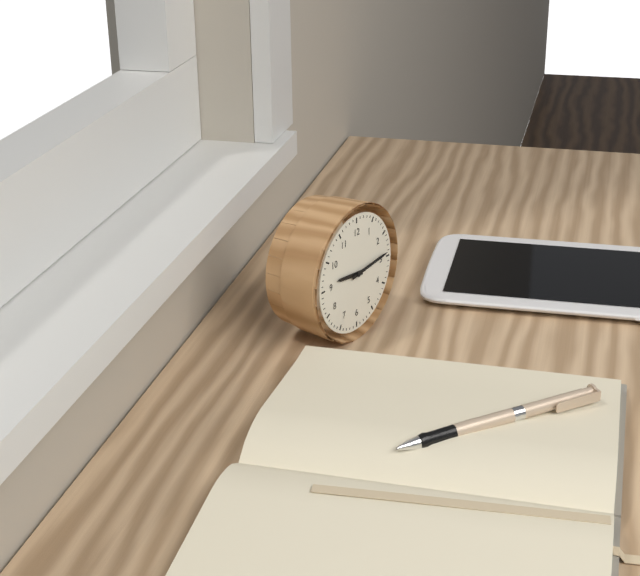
9:14
